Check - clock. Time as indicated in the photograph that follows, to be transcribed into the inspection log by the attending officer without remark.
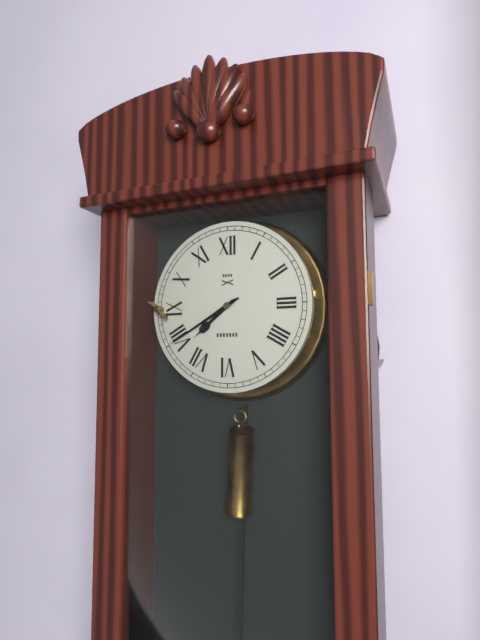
7:40
